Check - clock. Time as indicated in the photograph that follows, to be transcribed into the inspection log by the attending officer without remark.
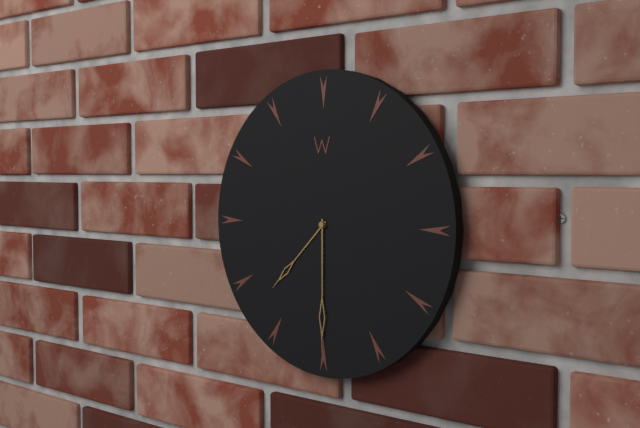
7:30
